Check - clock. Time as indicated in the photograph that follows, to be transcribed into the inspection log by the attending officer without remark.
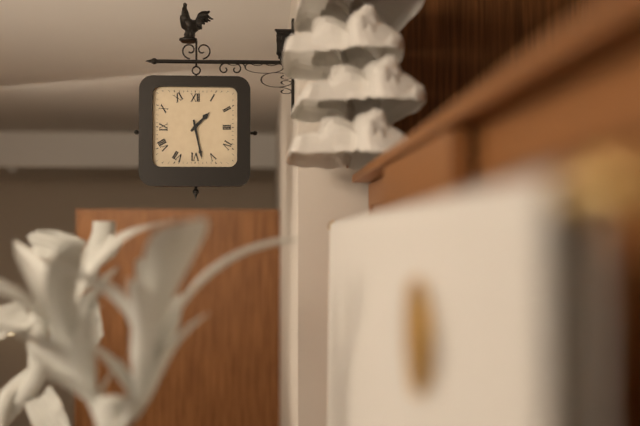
1:28
